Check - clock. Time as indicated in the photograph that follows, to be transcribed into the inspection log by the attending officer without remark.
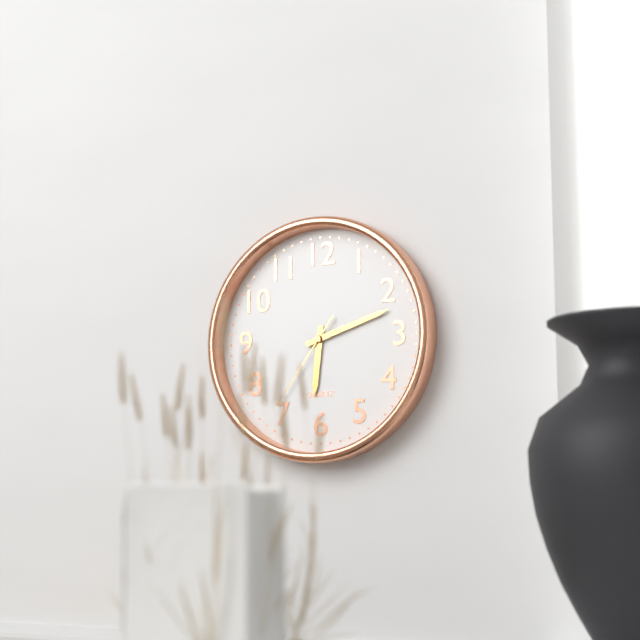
6:12:36
